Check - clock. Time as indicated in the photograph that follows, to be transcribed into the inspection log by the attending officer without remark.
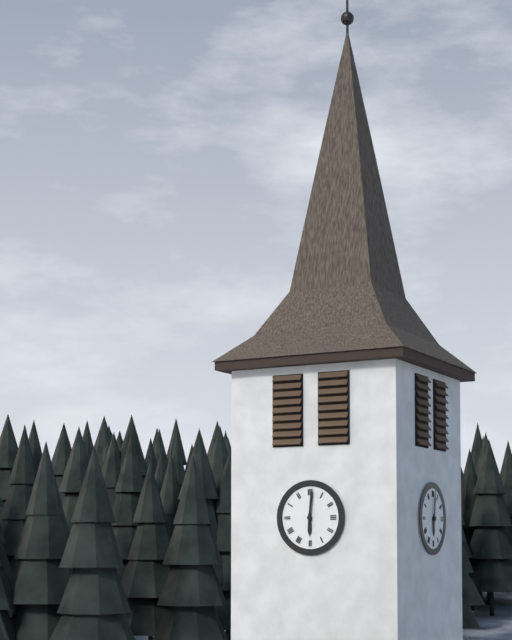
6:01
